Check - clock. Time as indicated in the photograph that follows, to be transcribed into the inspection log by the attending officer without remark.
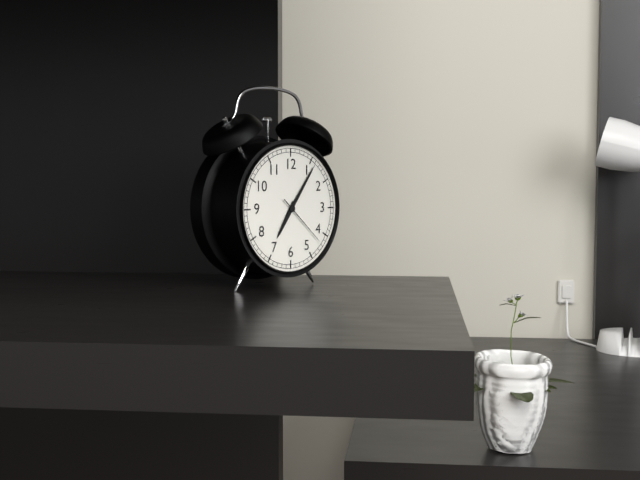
7:06:22
